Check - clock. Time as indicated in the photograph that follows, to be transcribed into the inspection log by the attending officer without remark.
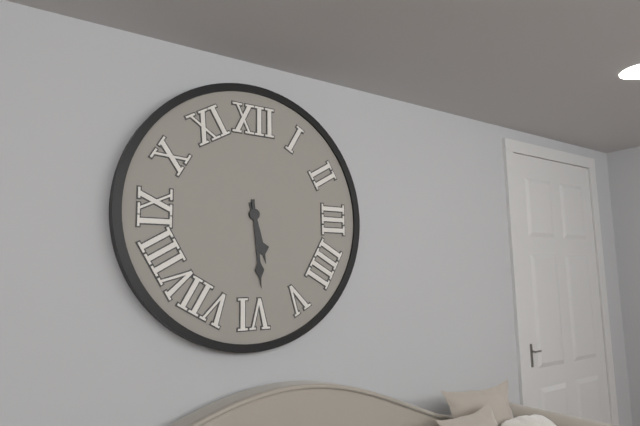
5:29
